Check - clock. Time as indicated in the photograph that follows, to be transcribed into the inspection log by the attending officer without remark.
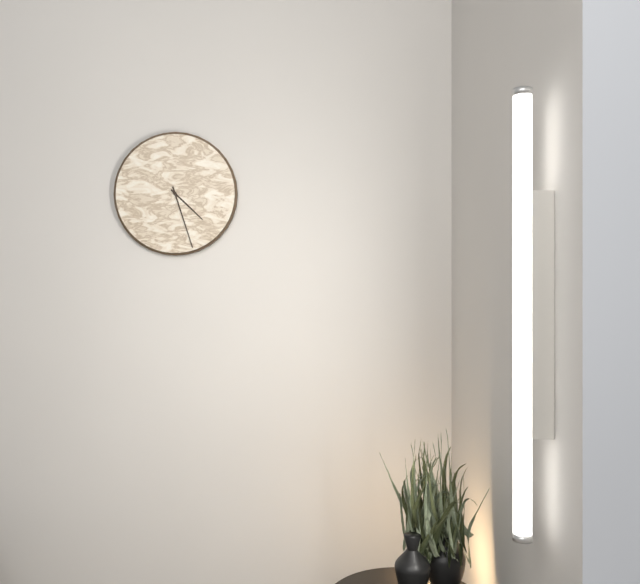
4:27
